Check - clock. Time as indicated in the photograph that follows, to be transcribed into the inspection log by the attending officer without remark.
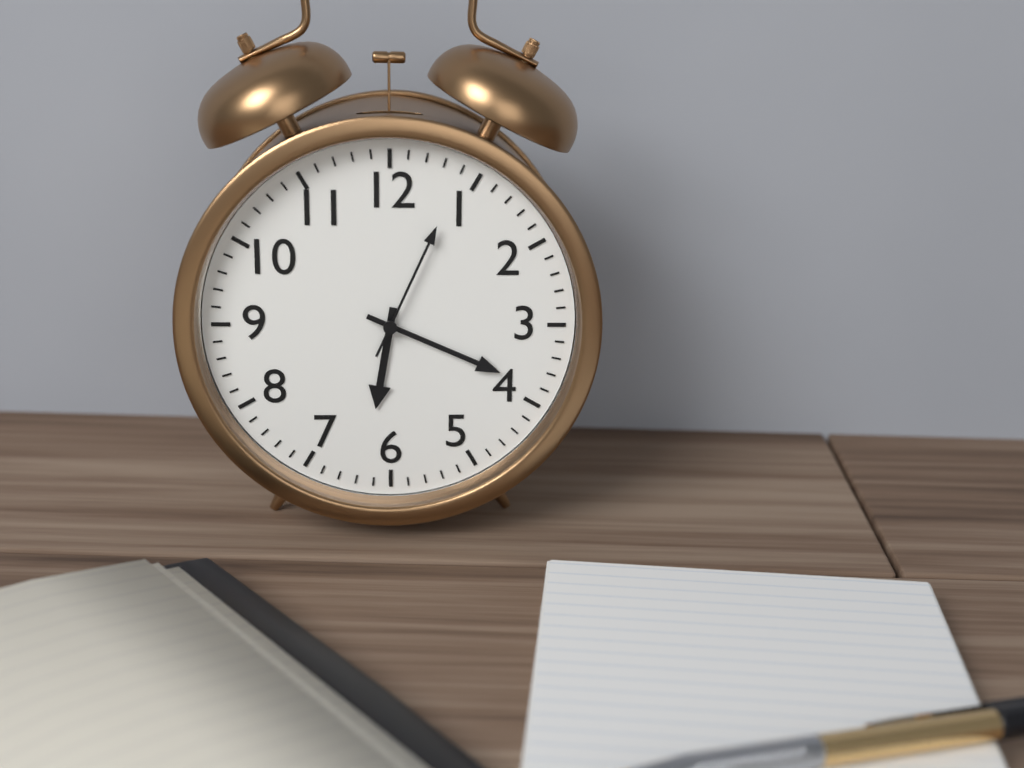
6:19:04
